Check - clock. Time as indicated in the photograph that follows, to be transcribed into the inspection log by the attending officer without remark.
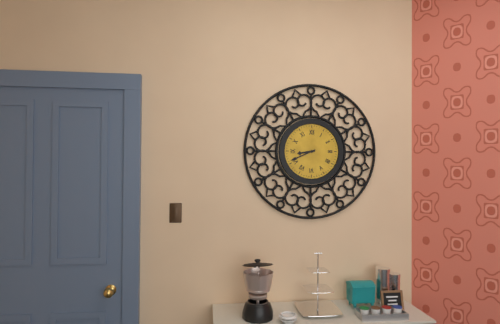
8:41
